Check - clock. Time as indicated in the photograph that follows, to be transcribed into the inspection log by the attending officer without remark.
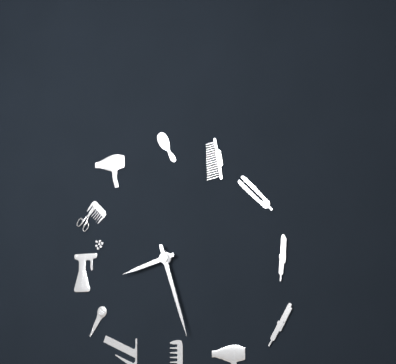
8:27
